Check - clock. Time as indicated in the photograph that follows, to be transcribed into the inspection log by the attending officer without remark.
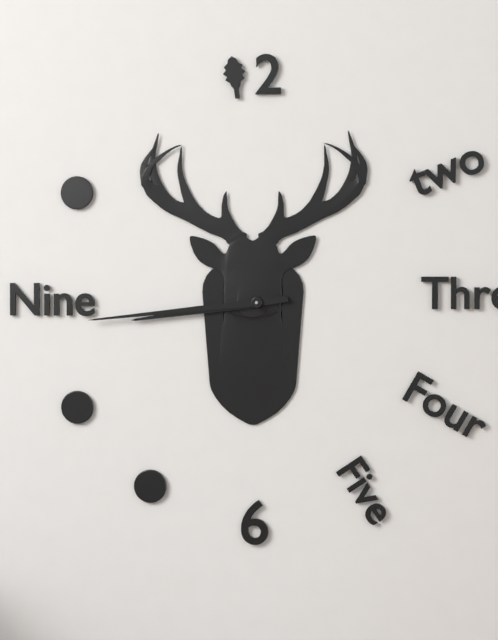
8:44
